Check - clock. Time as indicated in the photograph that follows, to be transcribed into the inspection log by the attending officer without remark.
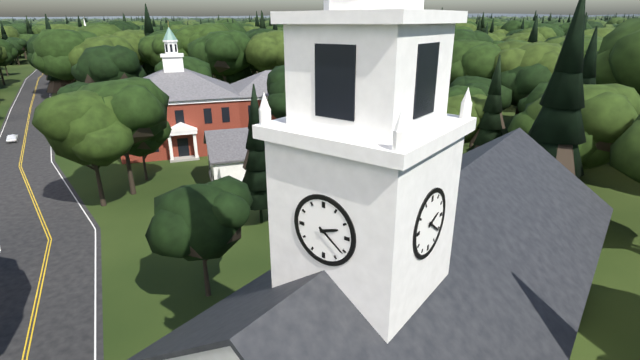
2:21
